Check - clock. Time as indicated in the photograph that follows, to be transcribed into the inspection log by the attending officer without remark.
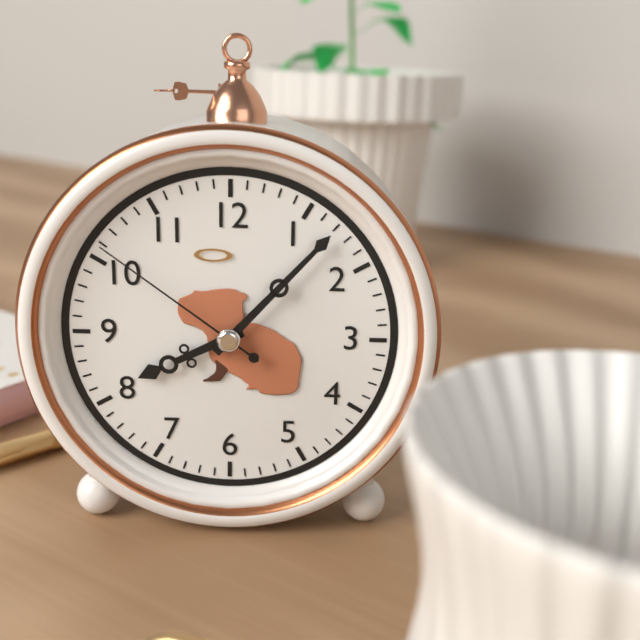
8:07:51
